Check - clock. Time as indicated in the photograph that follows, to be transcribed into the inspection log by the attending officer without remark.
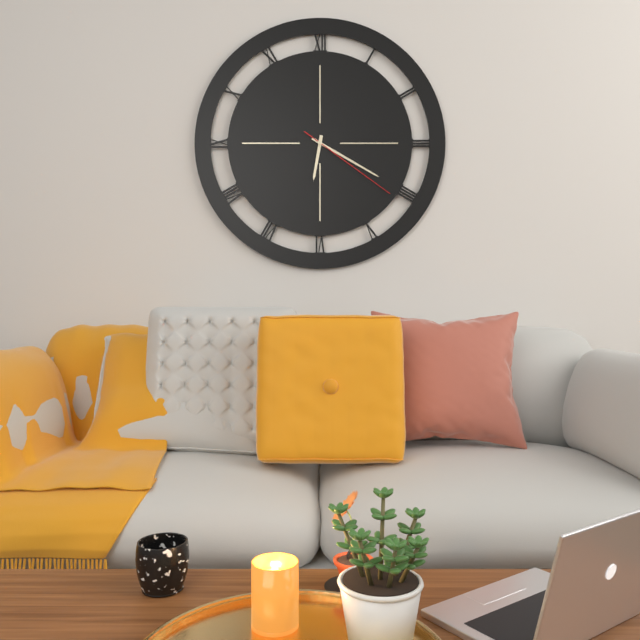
6:20:21
